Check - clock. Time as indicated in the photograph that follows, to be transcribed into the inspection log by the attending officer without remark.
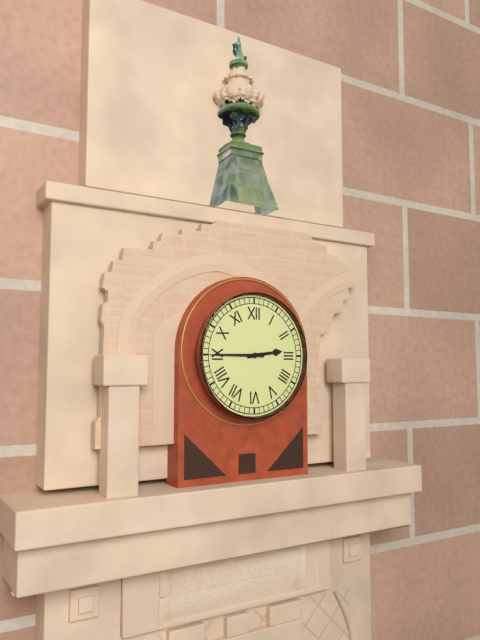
2:45
